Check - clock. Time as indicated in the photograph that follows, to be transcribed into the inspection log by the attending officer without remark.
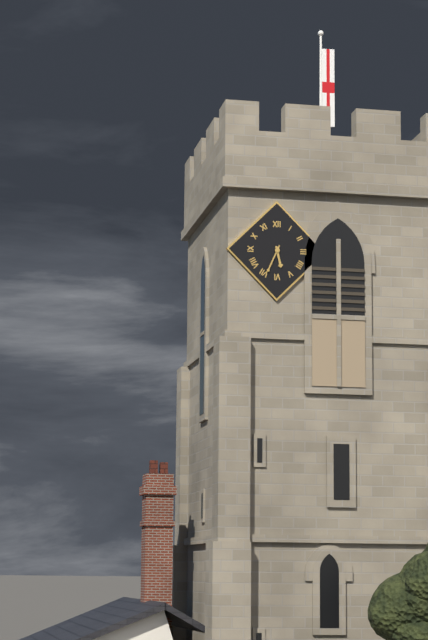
5:34
